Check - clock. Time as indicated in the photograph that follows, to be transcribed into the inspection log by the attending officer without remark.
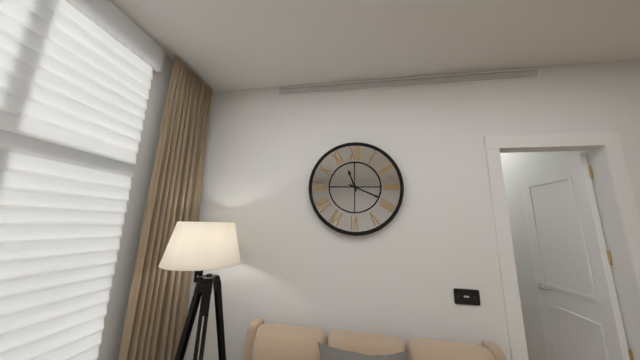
11:19
